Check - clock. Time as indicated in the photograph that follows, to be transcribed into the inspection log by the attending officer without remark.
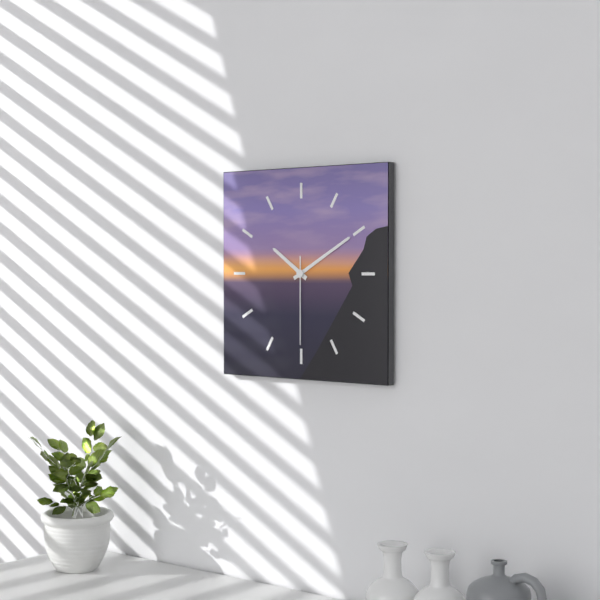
10:10:30
